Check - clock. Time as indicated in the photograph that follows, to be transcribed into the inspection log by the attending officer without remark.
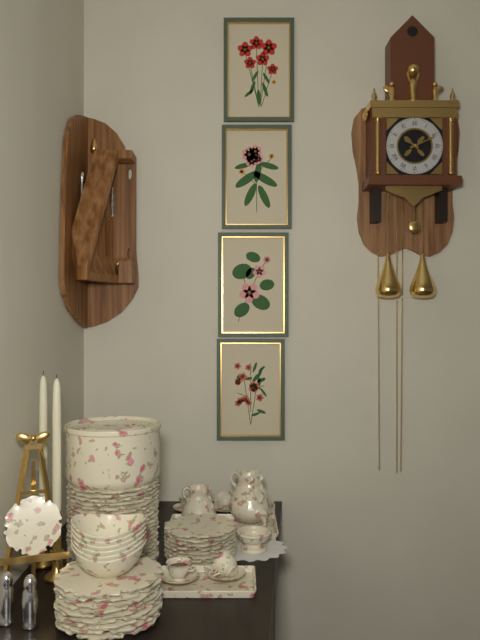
10:11
